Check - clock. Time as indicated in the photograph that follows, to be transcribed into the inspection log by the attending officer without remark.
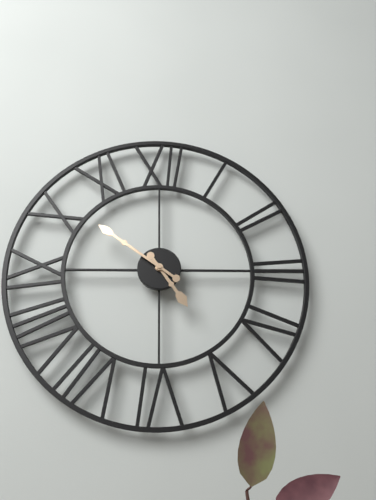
4:51
